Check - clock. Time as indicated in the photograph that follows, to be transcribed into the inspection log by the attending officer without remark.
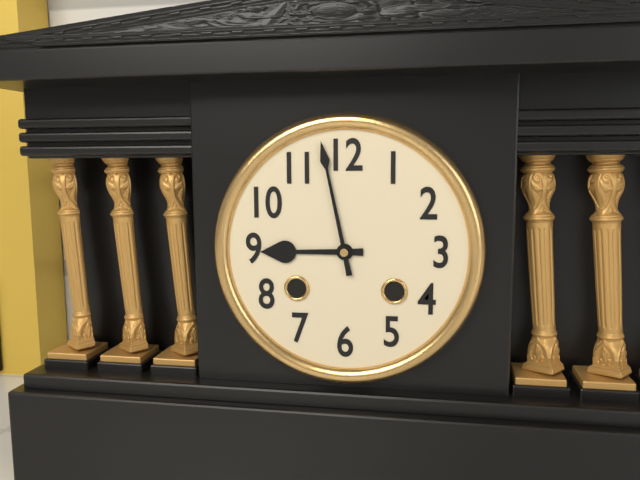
8:58
